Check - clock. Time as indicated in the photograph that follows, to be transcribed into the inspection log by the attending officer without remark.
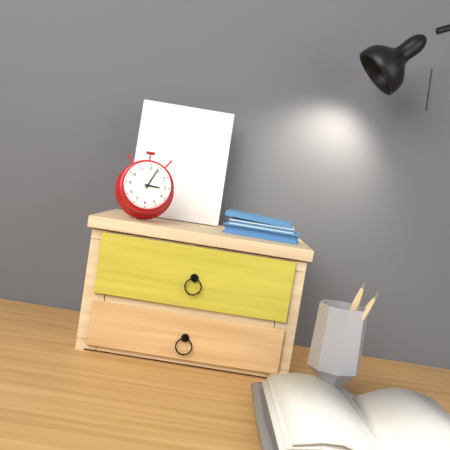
3:04
